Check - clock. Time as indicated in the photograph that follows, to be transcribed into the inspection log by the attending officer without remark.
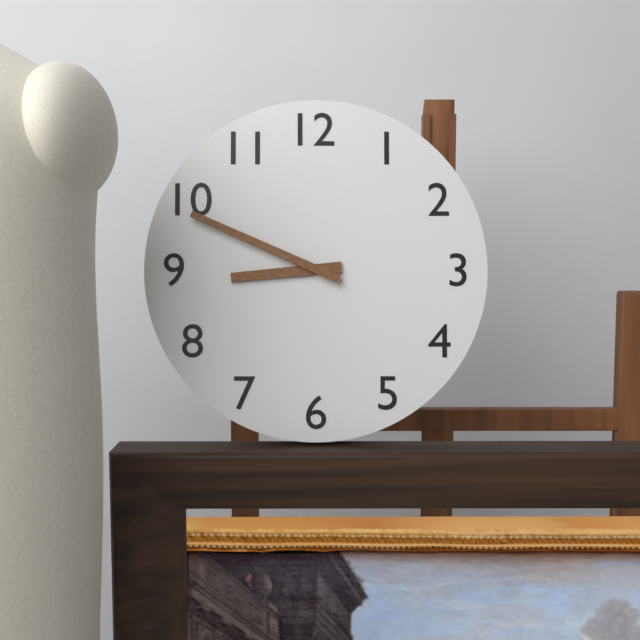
8:49
